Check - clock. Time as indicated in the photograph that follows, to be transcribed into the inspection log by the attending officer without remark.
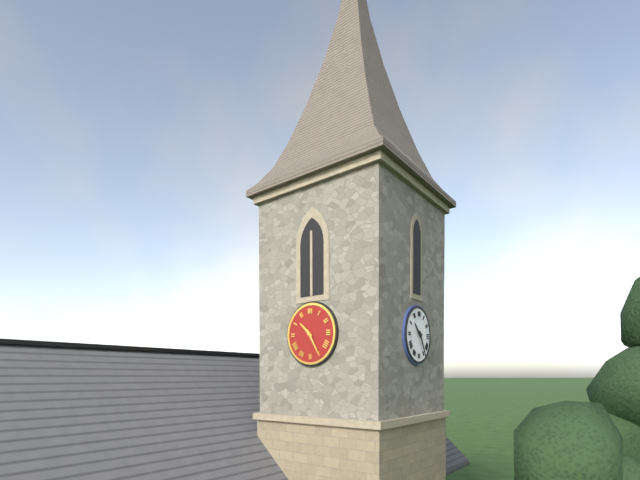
10:25
